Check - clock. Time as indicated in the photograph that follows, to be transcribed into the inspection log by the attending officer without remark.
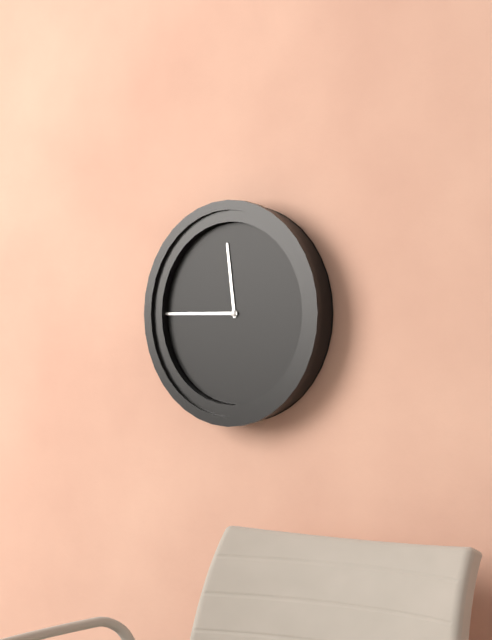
11:45
